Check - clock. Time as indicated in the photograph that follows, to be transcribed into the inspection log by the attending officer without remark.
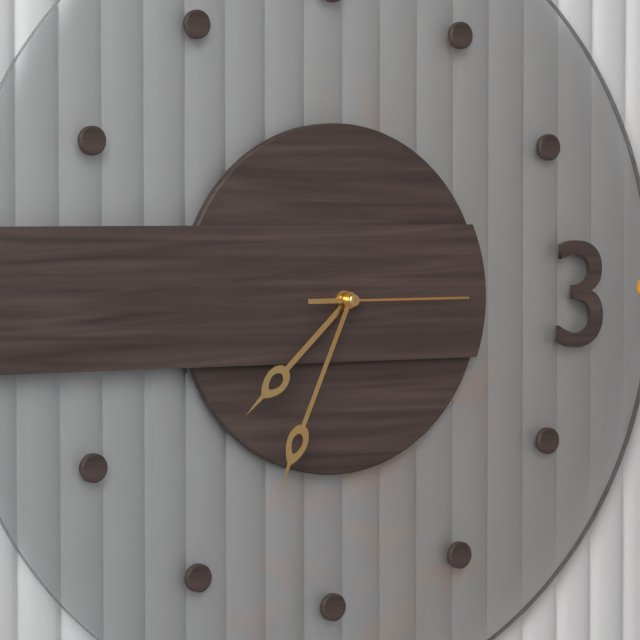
7:34:15
